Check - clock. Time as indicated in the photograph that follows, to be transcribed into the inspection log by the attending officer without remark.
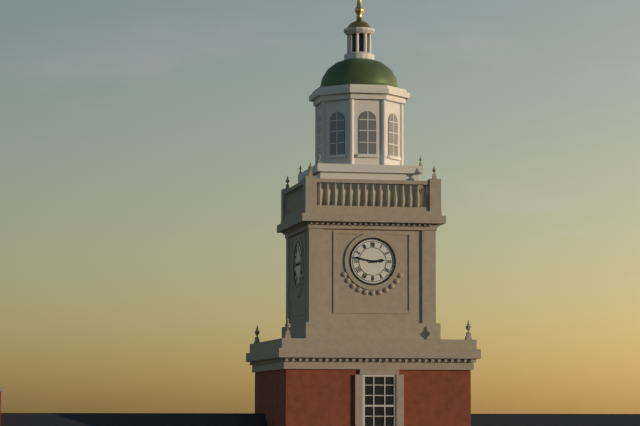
2:47
